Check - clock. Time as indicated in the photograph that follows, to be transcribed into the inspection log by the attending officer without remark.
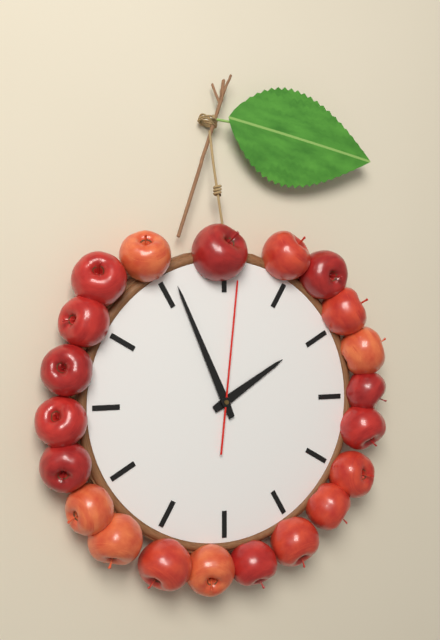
1:56:01
